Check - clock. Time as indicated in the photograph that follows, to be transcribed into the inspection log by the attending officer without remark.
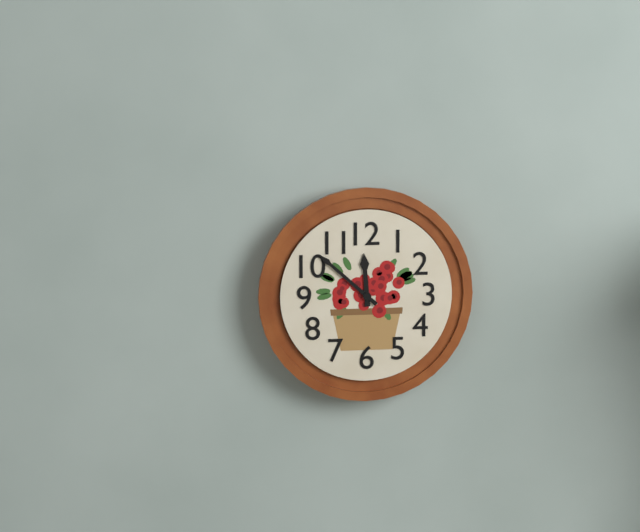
11:52
